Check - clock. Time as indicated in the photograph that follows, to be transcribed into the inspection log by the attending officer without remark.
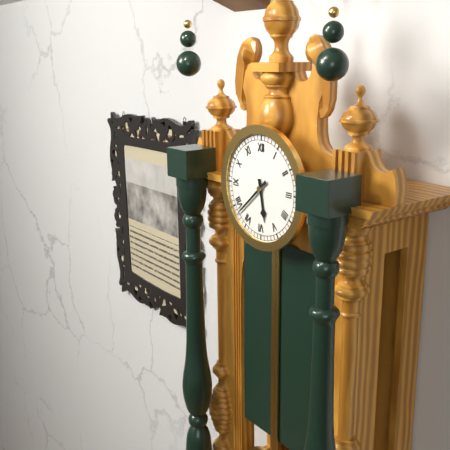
5:38
